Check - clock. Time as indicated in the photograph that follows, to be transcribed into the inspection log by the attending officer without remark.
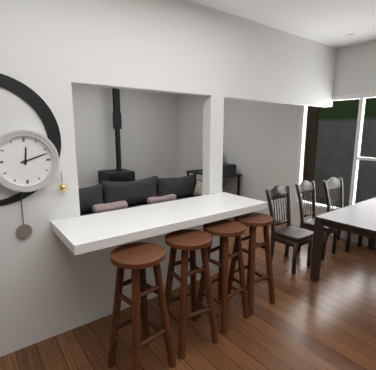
12:12
